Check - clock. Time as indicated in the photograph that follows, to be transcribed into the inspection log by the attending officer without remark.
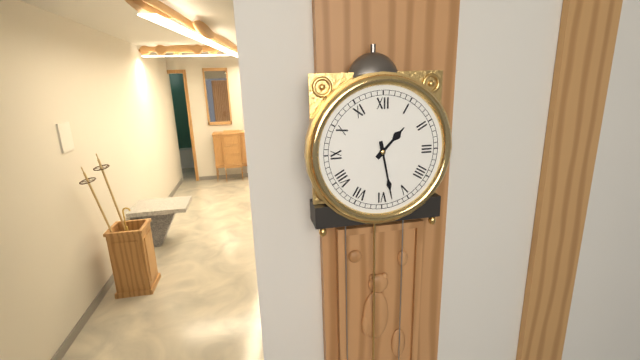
1:28
